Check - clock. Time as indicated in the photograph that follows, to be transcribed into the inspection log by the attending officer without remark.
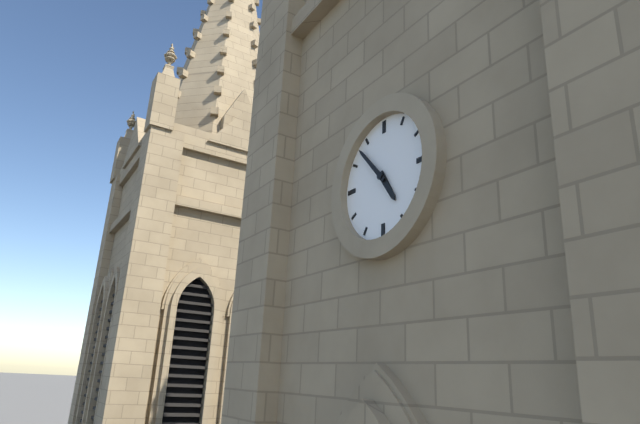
4:53
